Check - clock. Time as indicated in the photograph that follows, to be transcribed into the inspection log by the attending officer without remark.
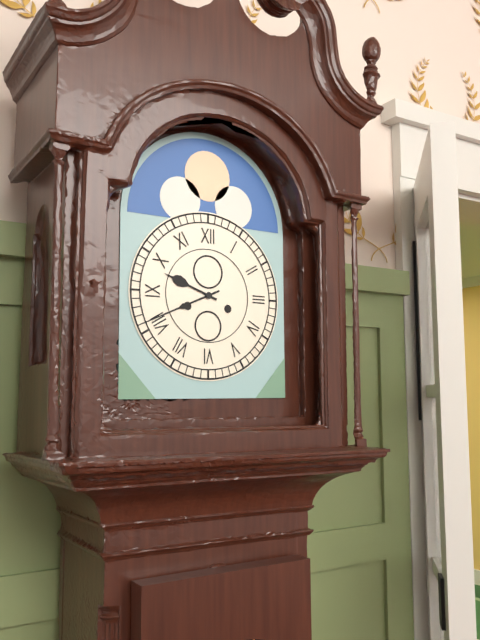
9:41
